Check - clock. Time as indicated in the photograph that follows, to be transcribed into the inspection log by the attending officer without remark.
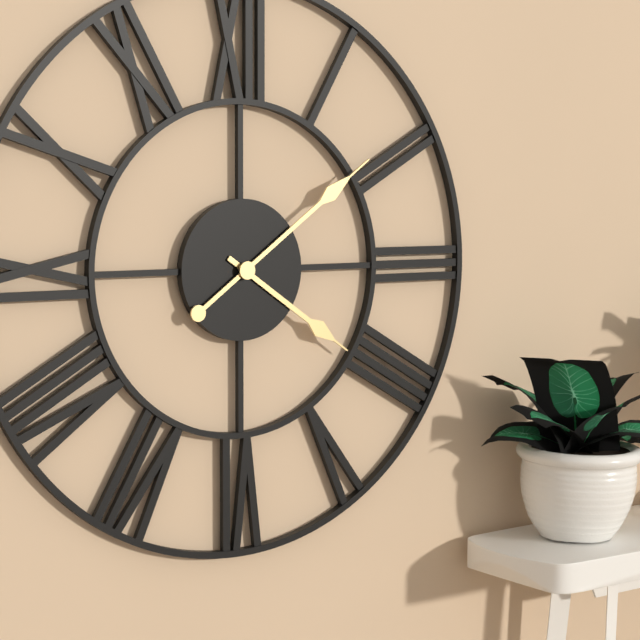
4:09
